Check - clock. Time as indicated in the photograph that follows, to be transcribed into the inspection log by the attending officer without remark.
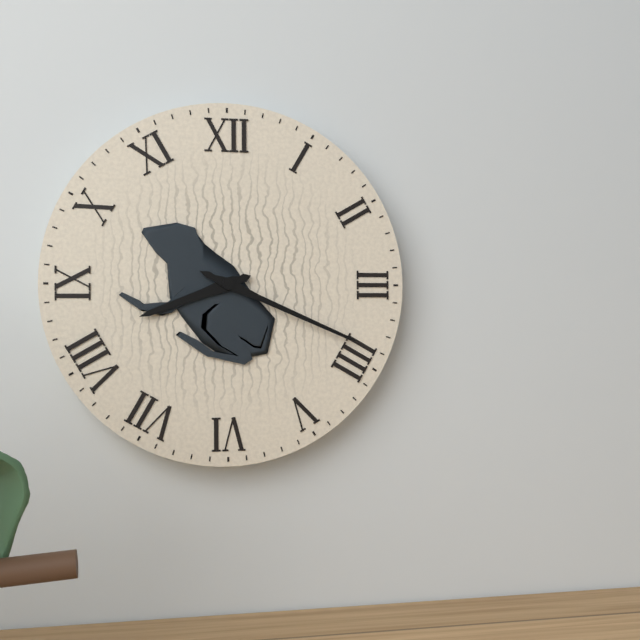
8:19
